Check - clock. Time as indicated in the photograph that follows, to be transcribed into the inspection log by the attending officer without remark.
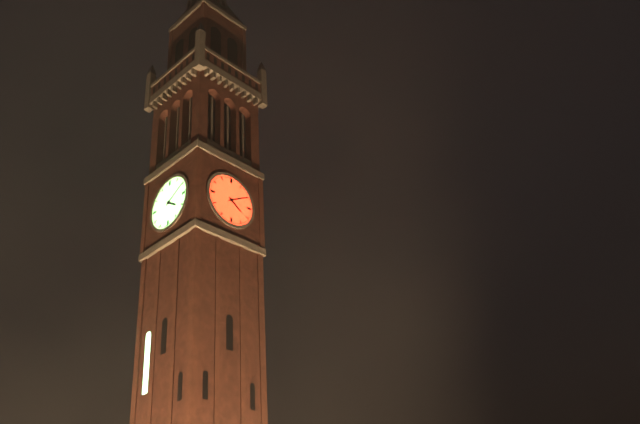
4:10
